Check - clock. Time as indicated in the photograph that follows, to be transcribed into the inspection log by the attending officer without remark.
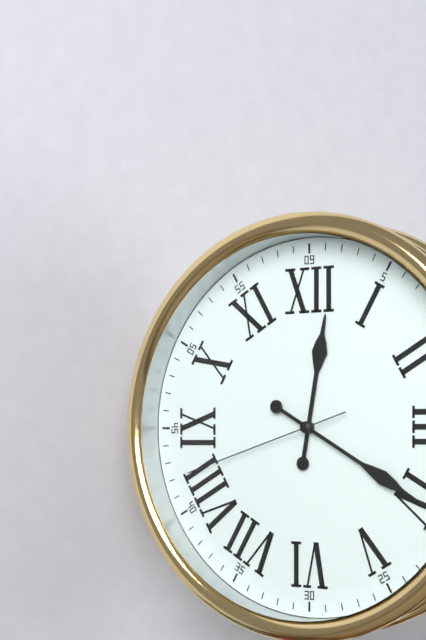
12:20:42
